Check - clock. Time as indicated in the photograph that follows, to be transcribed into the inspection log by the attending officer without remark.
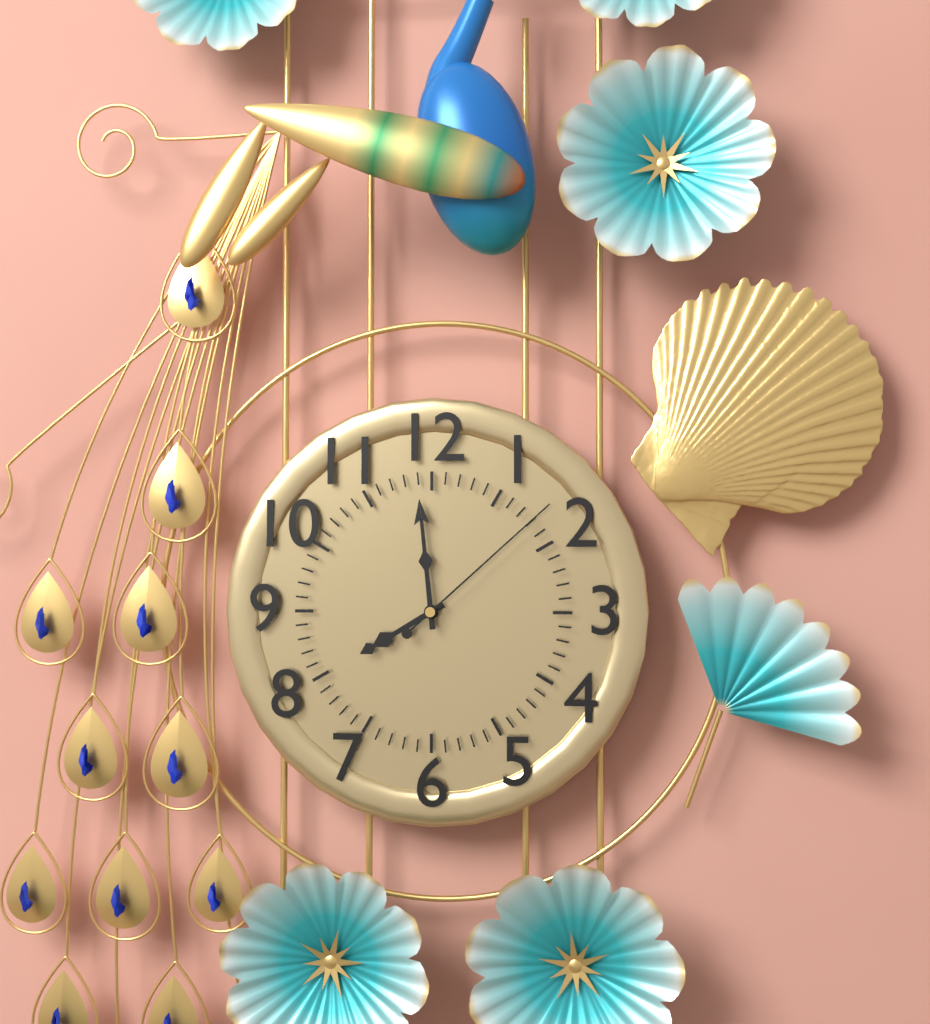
7:59:08
